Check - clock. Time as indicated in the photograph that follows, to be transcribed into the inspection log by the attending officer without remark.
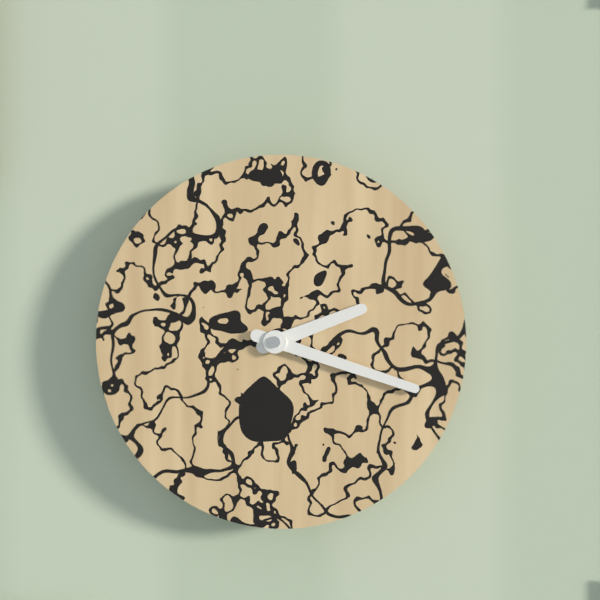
2:18
